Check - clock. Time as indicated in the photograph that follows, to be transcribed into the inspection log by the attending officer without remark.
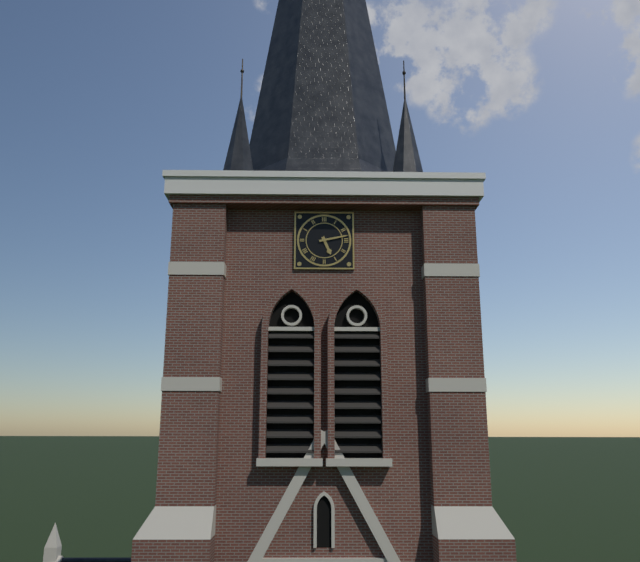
5:13
